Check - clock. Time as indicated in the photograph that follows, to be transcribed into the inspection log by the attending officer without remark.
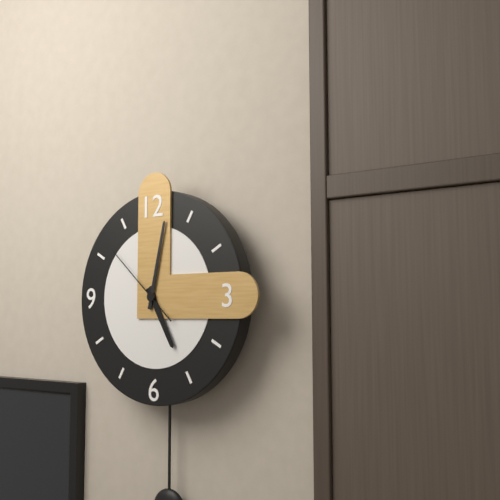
5:02:52
